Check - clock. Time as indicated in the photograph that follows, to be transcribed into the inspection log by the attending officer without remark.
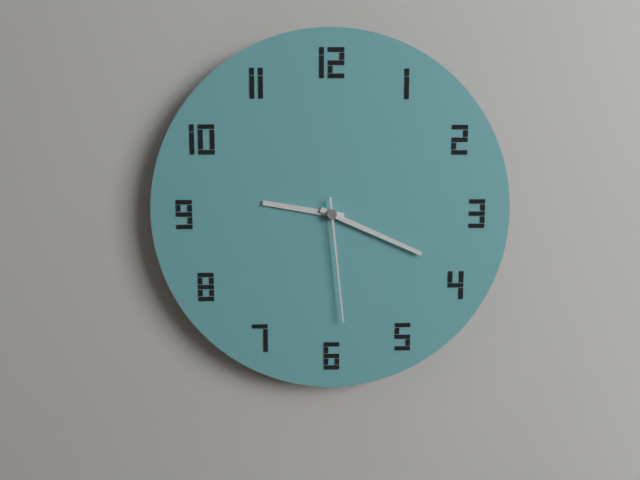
9:19:29
